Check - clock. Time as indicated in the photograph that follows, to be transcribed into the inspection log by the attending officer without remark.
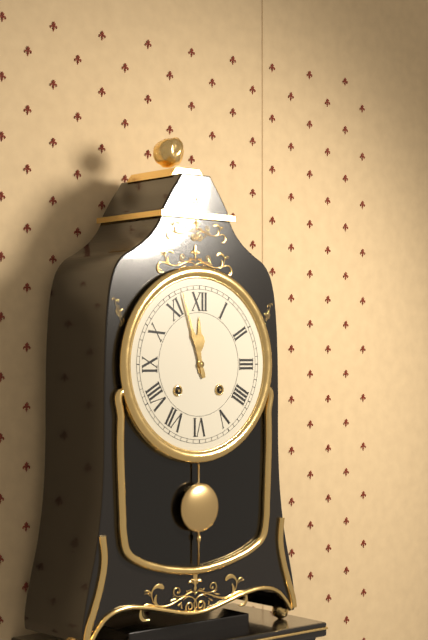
11:57
